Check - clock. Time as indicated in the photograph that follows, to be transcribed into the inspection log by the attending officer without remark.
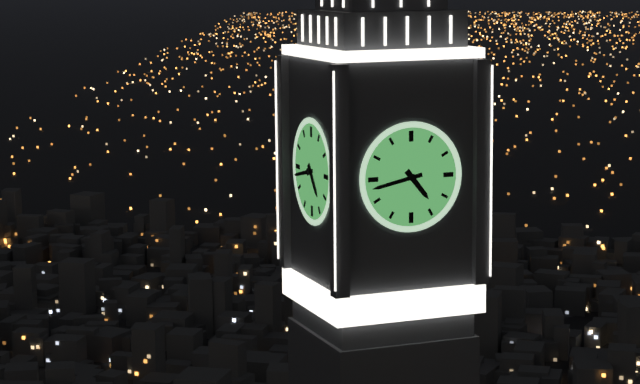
4:43
